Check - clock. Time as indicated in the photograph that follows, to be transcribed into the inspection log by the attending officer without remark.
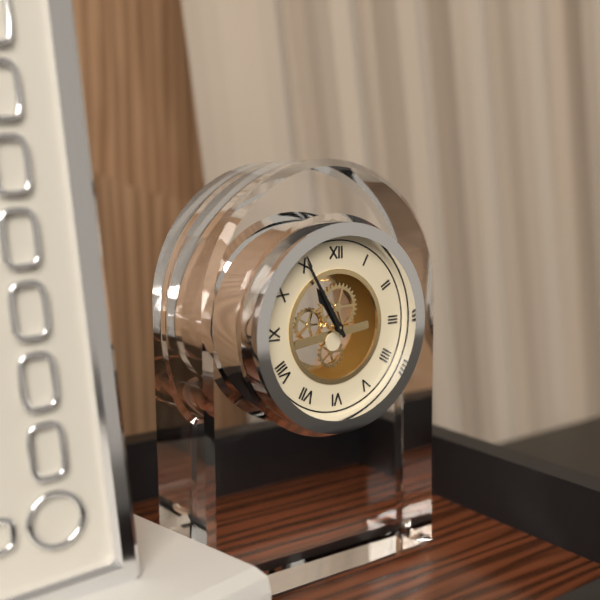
10:55
